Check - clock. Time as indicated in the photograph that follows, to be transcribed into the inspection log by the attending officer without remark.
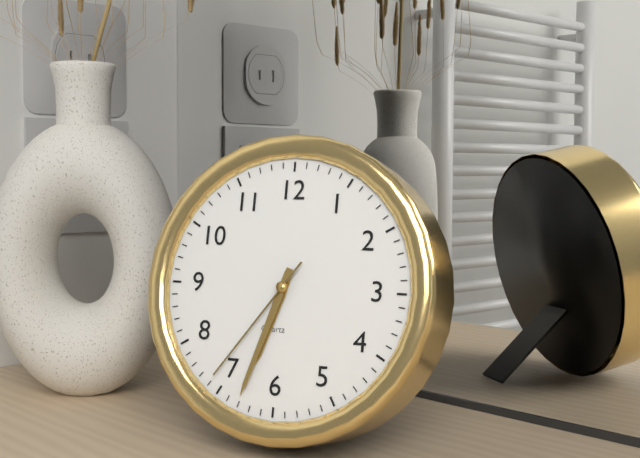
6:33:36
